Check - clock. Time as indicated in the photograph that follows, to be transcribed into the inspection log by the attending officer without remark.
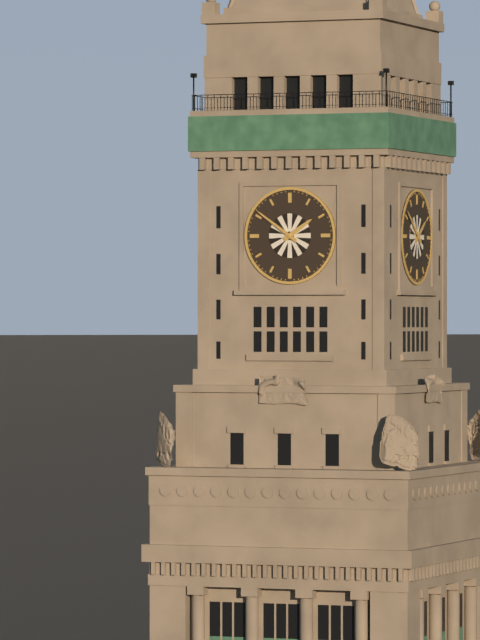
1:51
